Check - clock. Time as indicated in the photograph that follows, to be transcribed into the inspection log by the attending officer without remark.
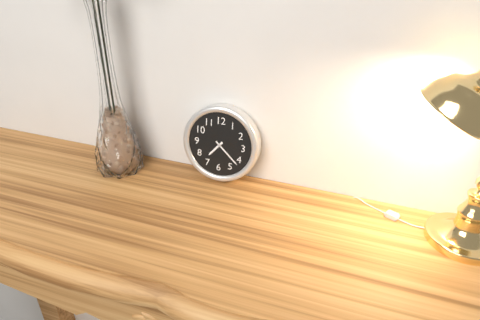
7:22
